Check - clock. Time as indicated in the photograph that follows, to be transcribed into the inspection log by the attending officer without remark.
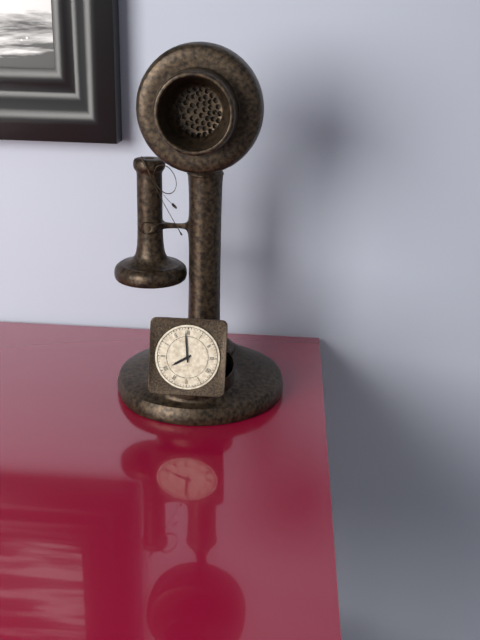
7:59
